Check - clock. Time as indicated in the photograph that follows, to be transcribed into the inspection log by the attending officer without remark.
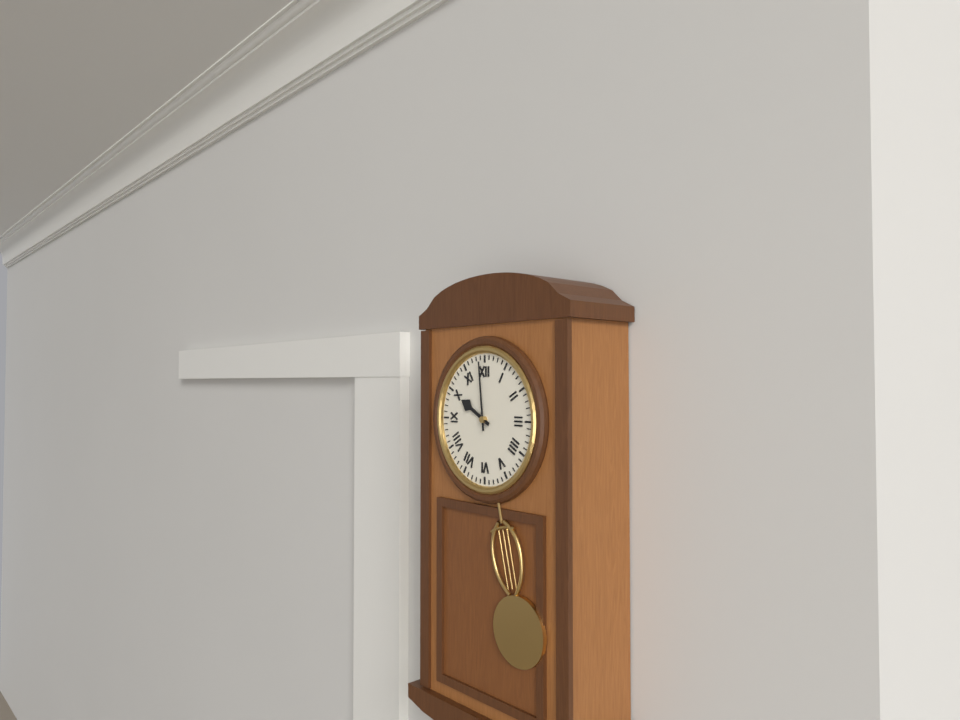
9:59
